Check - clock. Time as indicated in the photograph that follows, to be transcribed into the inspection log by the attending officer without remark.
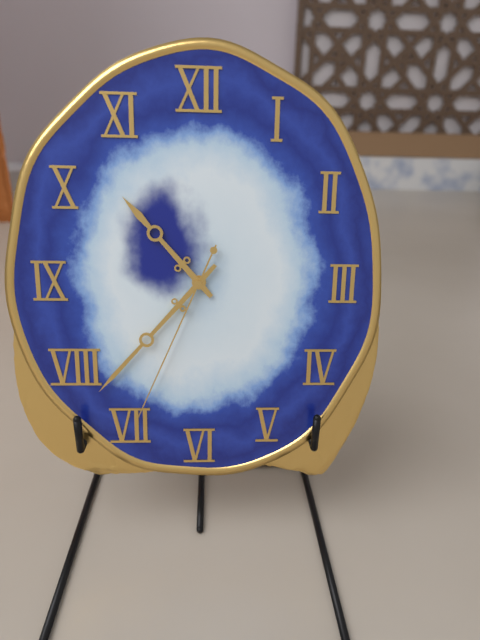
10:37:34
